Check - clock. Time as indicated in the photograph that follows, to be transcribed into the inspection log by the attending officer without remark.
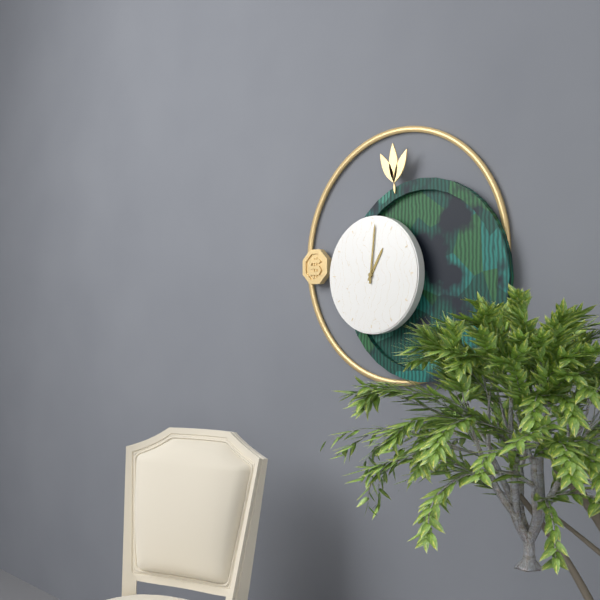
1:01
